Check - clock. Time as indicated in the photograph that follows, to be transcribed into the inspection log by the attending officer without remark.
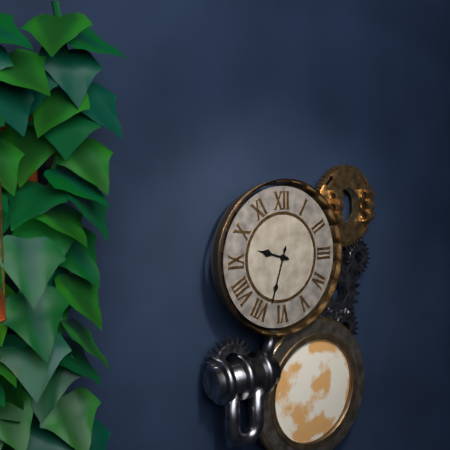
9:33
